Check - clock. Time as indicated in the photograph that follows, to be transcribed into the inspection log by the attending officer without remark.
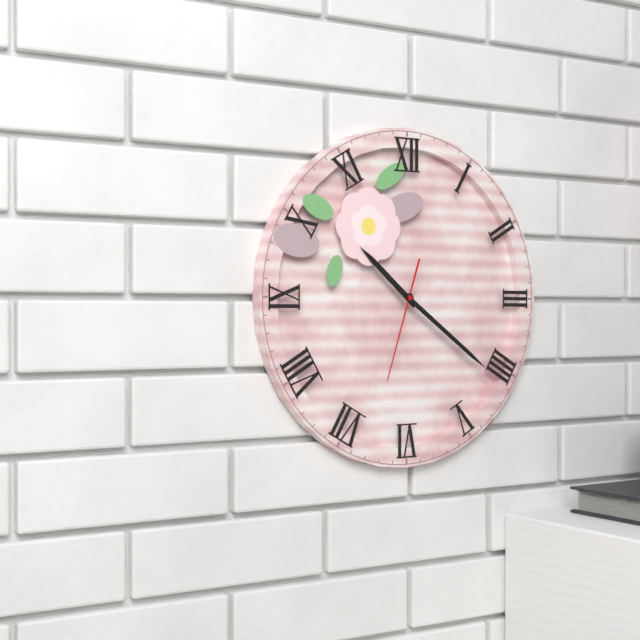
10:21:33
